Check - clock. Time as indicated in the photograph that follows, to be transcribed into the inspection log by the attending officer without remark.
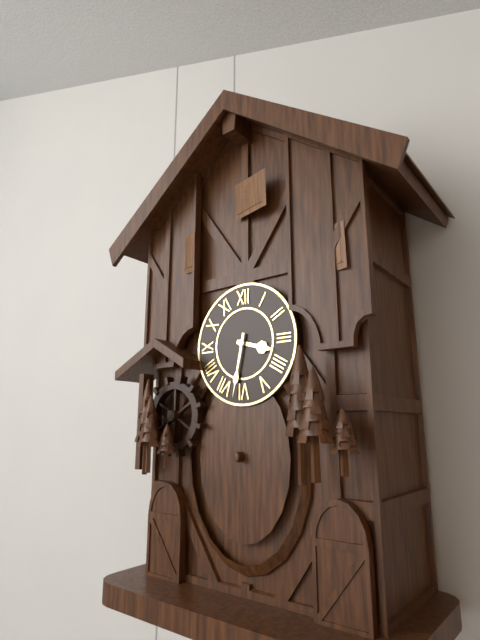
3:32
